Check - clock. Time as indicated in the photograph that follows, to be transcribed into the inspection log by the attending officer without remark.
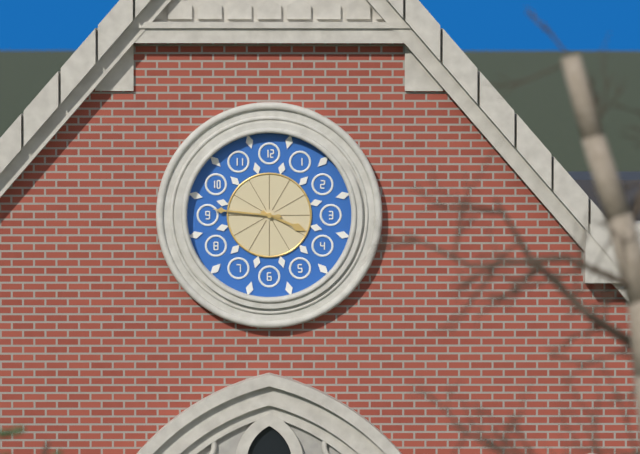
3:46
